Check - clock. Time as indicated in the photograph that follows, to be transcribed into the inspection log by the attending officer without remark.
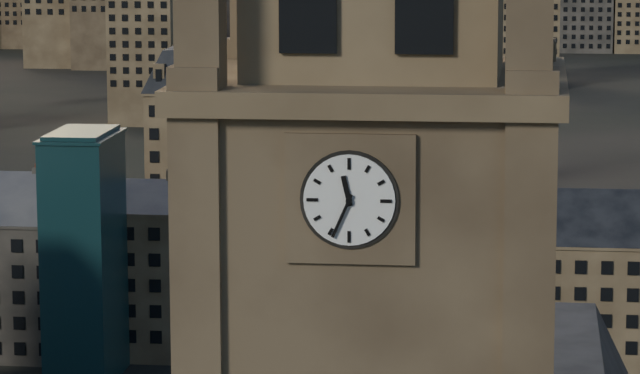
11:34
